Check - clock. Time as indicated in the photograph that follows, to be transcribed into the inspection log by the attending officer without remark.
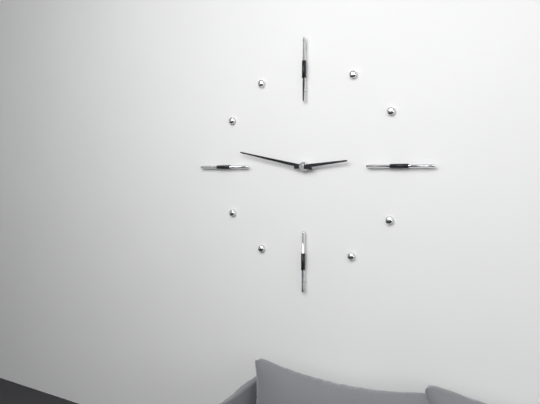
2:47
